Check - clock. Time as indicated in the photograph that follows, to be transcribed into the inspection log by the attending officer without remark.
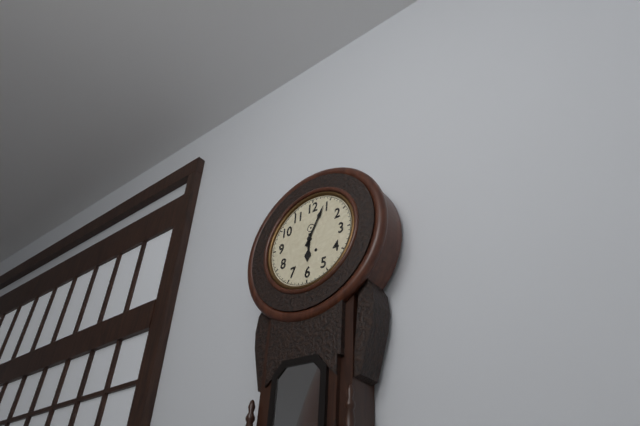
6:04
